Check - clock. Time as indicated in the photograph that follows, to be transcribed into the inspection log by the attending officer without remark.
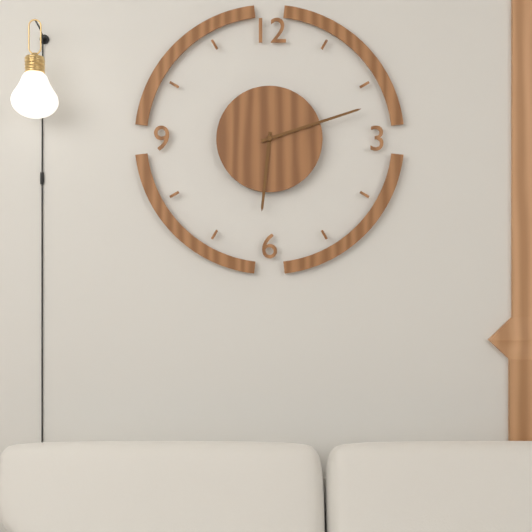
6:12
